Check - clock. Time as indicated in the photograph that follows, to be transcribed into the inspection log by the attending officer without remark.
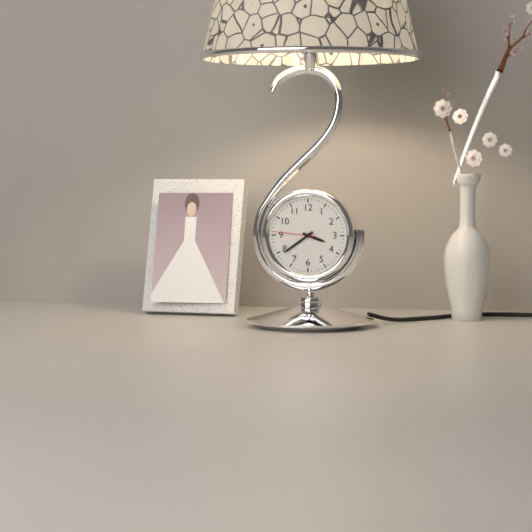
3:39
